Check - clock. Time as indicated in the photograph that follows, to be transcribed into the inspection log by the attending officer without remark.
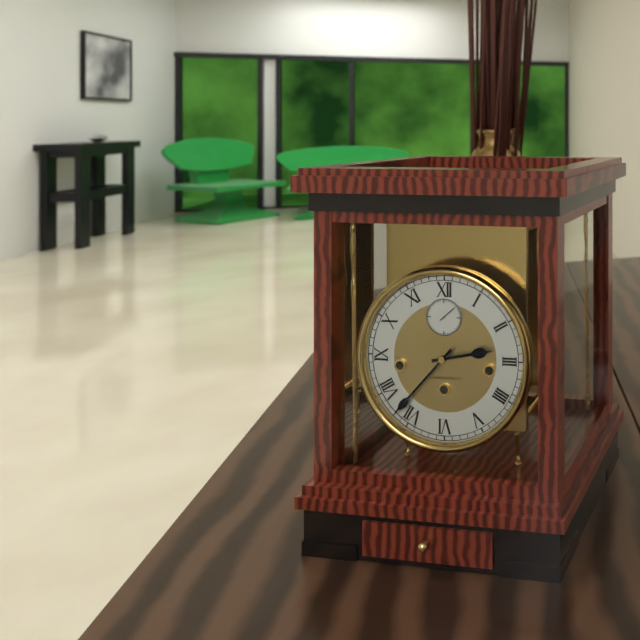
2:37
